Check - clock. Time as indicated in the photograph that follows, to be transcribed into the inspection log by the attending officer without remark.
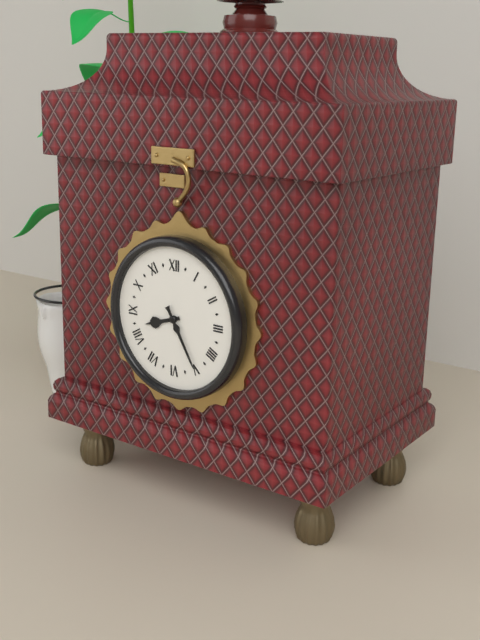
8:25
